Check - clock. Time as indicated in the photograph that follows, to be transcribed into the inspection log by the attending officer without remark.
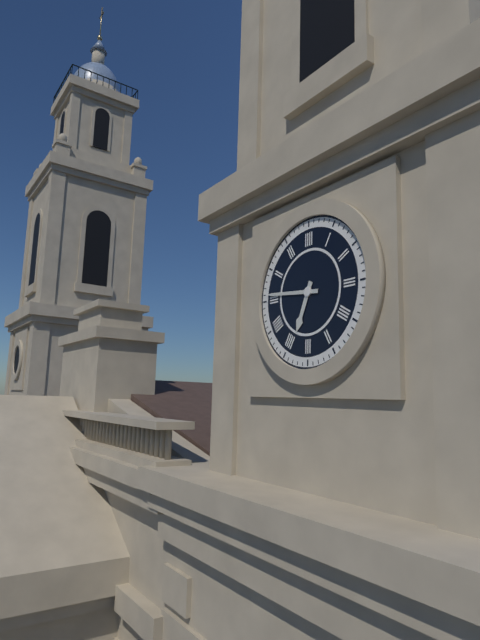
6:46
